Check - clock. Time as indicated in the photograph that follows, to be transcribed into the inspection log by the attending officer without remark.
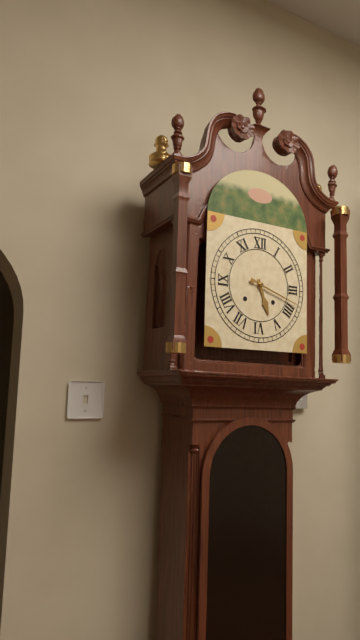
5:18
